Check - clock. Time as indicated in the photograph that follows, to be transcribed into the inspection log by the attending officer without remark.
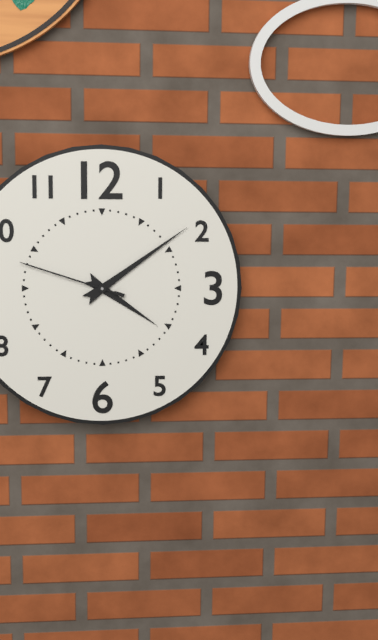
4:09:48
